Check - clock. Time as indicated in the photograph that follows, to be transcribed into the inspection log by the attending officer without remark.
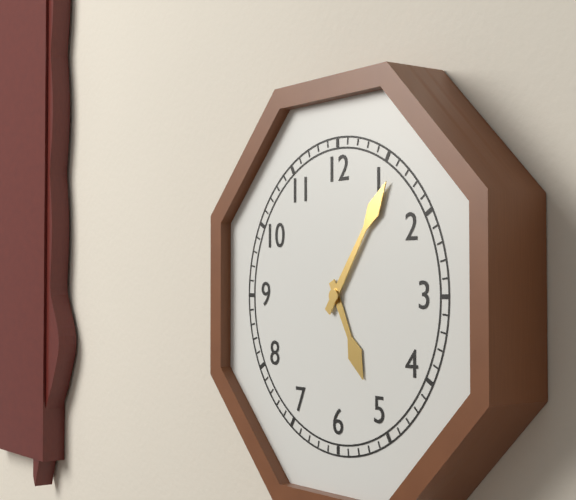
5:06
